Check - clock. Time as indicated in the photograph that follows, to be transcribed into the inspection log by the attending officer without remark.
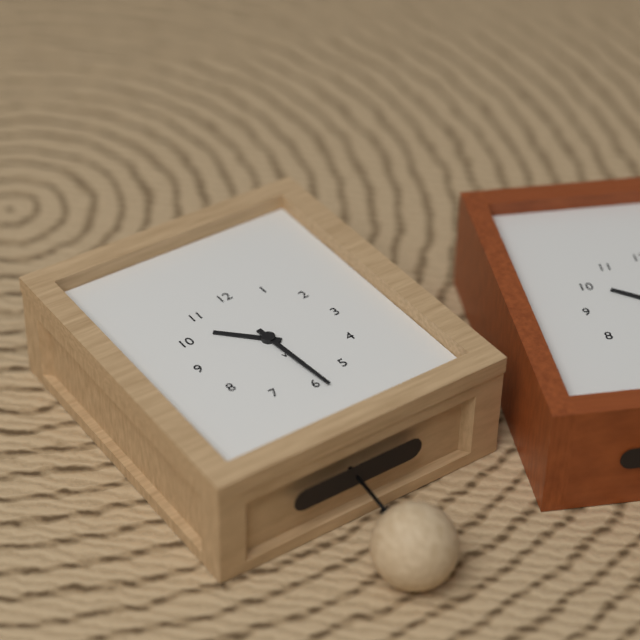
10:29
